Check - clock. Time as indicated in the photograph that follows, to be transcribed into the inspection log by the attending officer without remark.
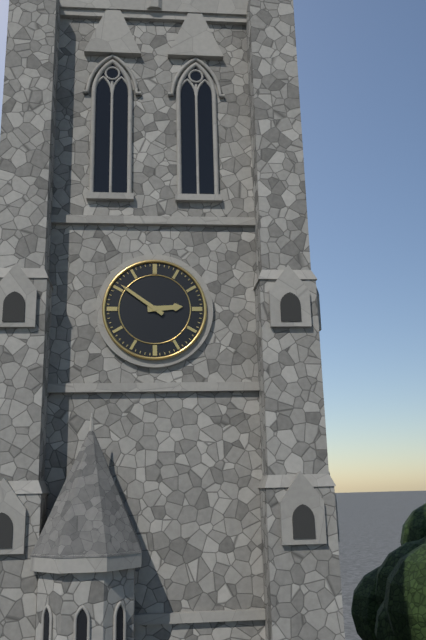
2:51
